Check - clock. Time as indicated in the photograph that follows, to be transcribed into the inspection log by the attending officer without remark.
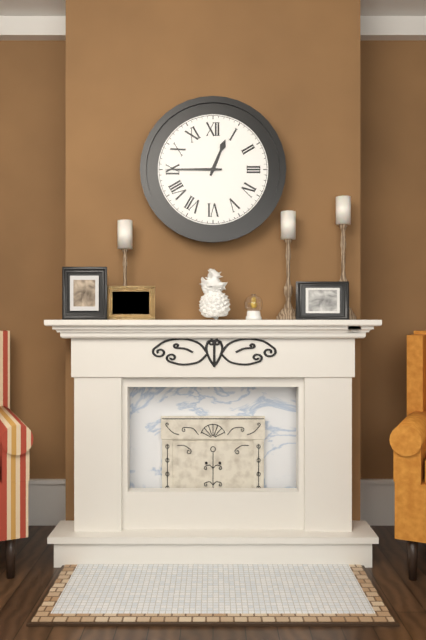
12:45
